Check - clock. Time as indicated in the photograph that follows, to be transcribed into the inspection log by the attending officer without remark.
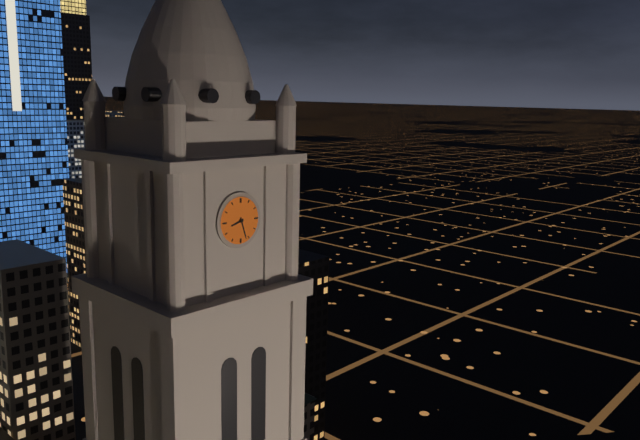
8:27
